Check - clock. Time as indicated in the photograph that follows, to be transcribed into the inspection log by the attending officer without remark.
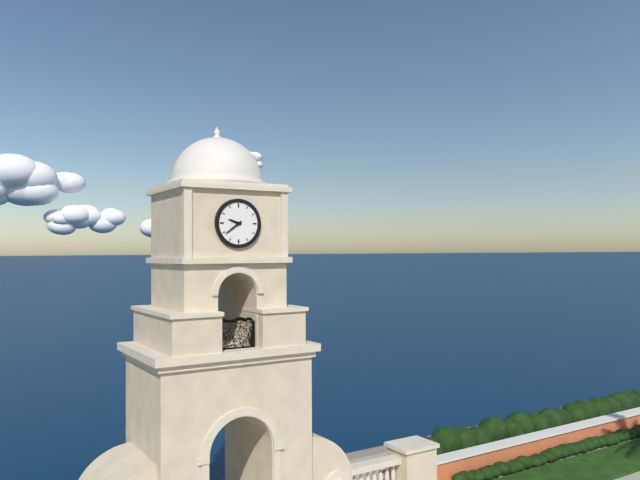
9:39
